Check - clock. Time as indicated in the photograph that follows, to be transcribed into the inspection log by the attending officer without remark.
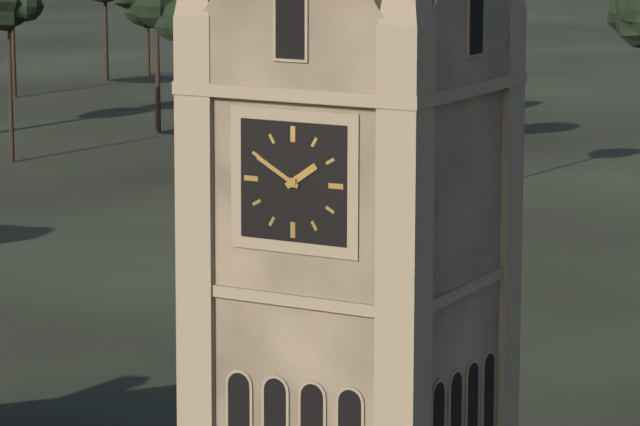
1:50
